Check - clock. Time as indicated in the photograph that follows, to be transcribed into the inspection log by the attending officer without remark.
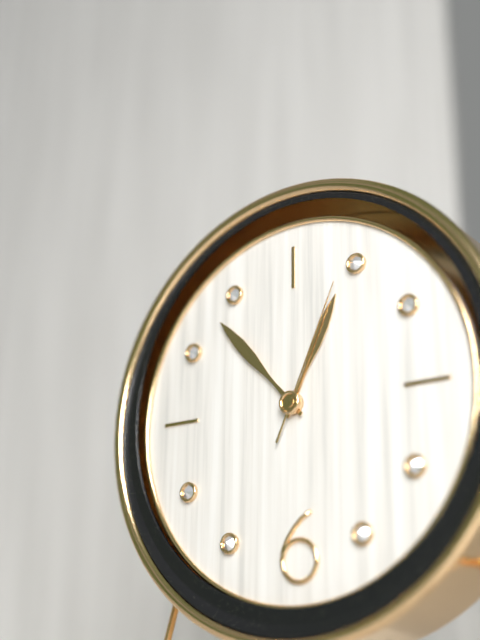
12:53:04
